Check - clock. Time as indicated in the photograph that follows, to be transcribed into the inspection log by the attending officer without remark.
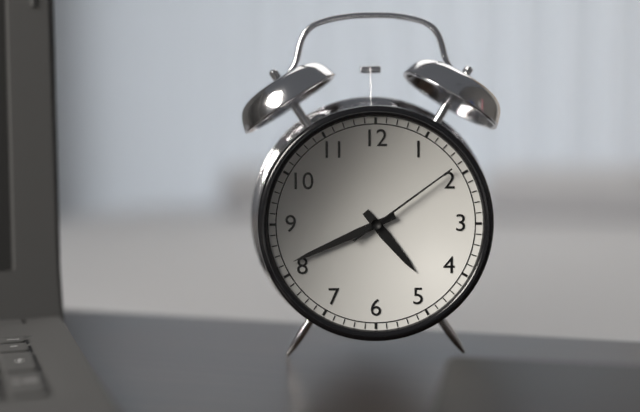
4:41:09
